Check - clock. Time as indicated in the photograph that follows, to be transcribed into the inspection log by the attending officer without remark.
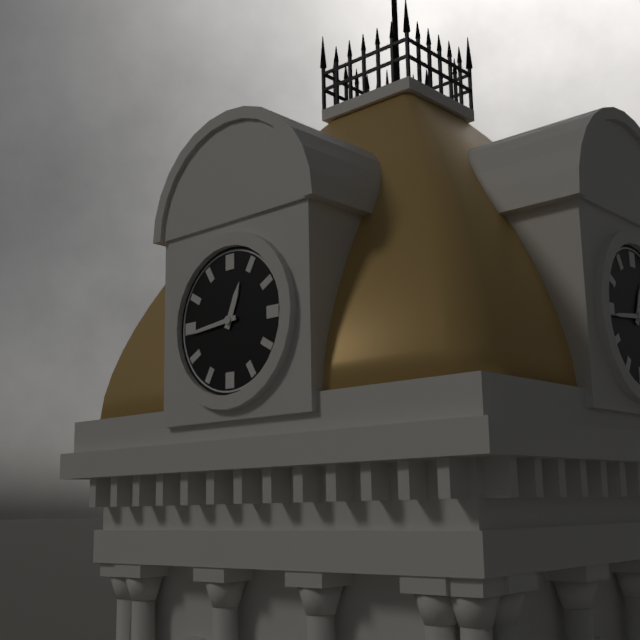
12:44
